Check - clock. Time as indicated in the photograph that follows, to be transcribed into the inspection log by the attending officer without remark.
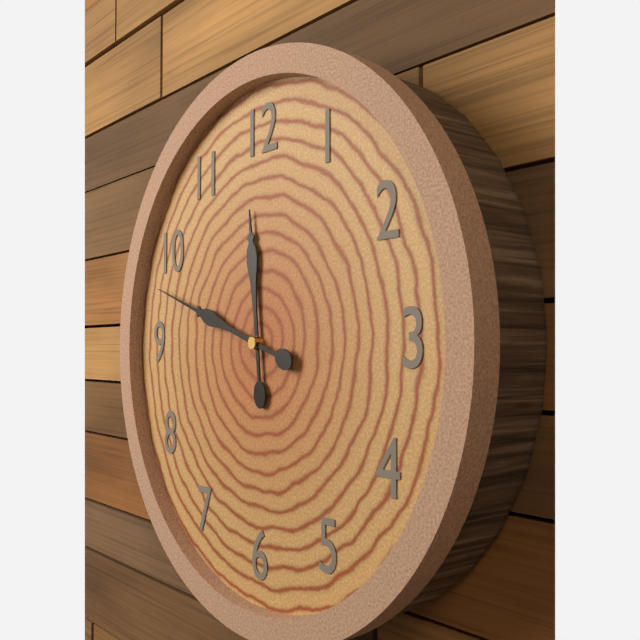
11:48
